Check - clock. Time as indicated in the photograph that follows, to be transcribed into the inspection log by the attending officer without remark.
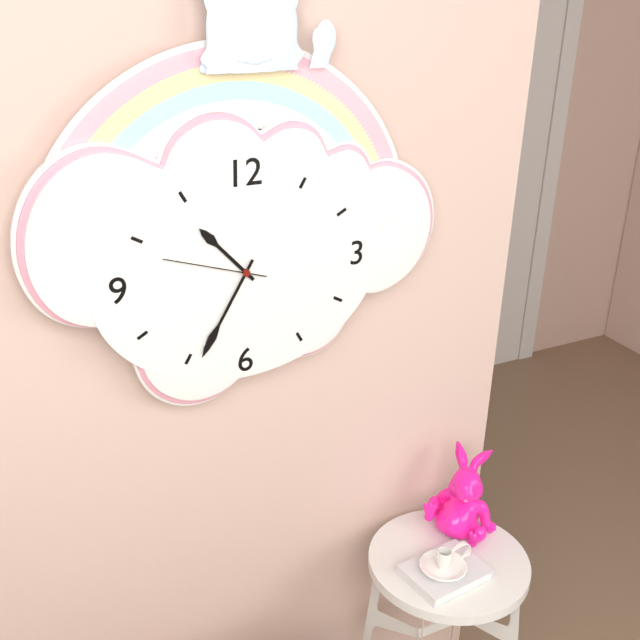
10:35:48
